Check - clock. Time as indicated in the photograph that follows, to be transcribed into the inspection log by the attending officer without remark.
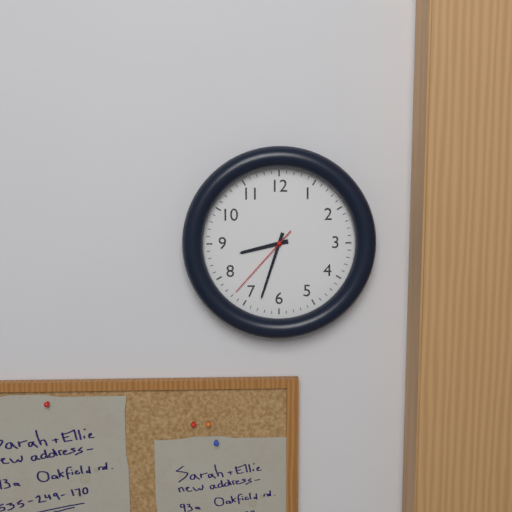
8:33:37
